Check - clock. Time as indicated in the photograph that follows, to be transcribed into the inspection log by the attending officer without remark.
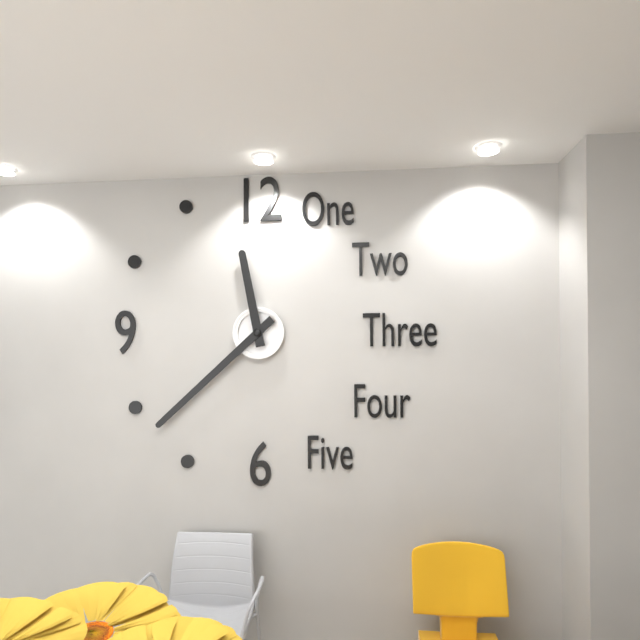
11:38
